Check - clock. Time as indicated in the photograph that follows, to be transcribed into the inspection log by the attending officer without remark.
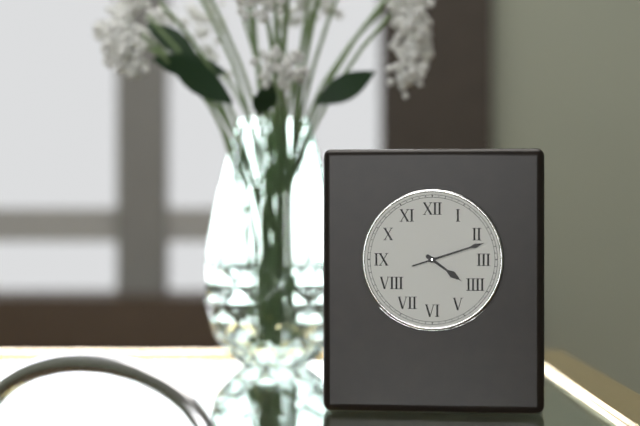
4:12
